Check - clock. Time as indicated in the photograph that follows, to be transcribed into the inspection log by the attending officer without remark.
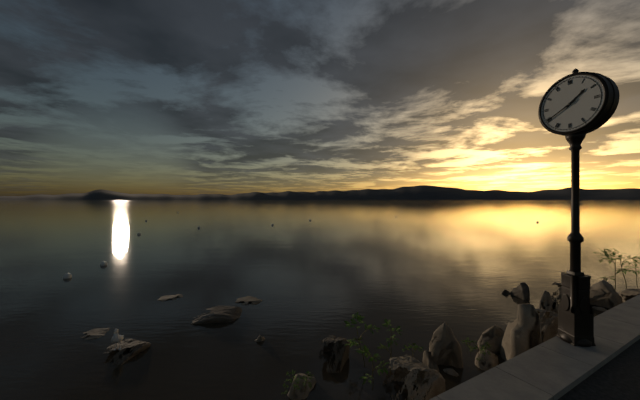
1:40
